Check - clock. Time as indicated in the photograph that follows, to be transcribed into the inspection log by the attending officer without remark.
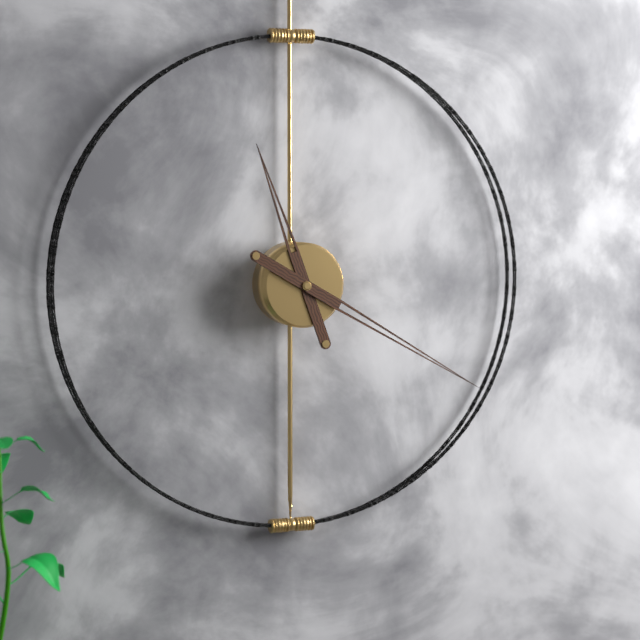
11:20
